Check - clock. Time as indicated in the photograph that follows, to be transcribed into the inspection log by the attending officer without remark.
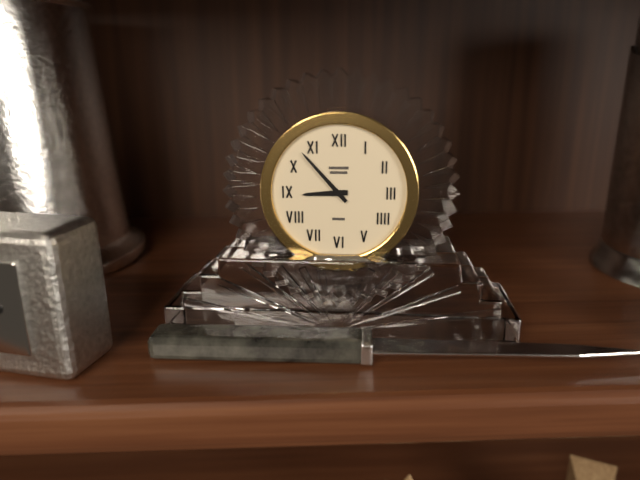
8:53
